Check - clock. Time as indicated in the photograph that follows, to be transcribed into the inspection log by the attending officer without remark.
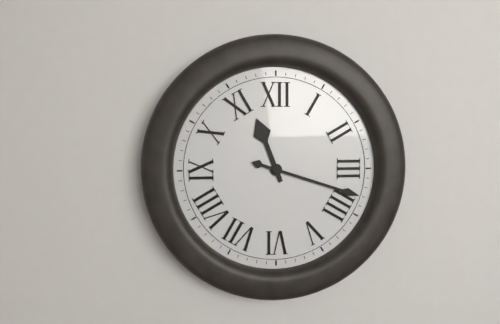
11:18
